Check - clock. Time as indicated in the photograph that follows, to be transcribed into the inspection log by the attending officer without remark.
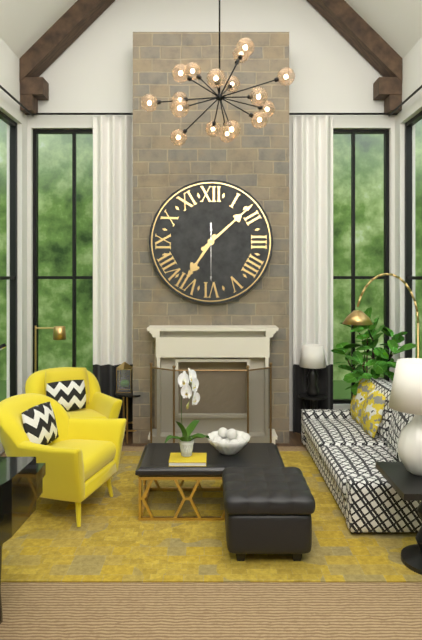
7:08
